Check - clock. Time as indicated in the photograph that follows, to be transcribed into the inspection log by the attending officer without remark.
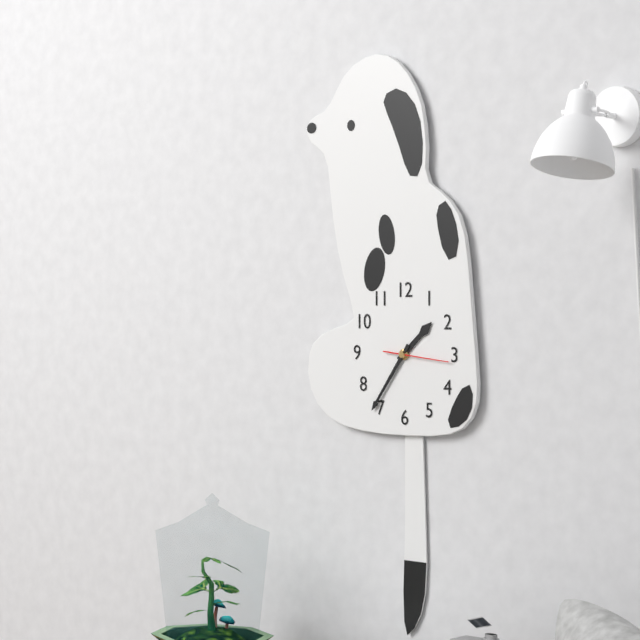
1:36:16
